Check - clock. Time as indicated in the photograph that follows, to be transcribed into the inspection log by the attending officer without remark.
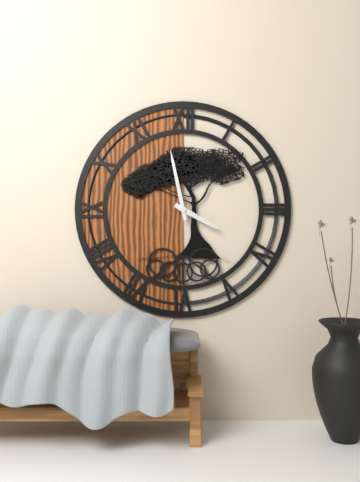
3:58
